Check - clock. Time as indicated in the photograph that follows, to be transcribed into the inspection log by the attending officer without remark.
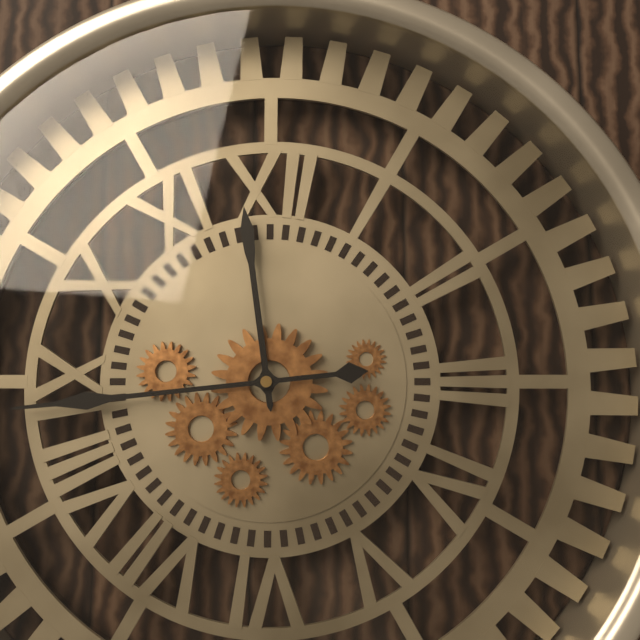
11:44
